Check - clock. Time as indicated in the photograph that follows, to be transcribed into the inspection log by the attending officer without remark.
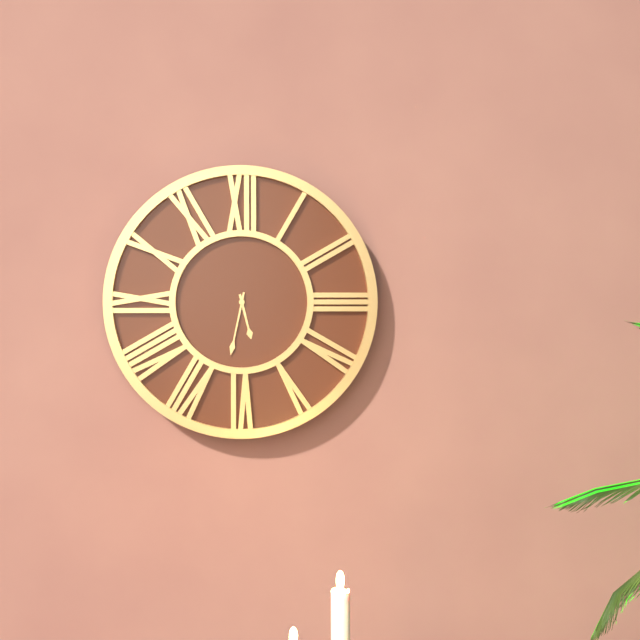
5:32
